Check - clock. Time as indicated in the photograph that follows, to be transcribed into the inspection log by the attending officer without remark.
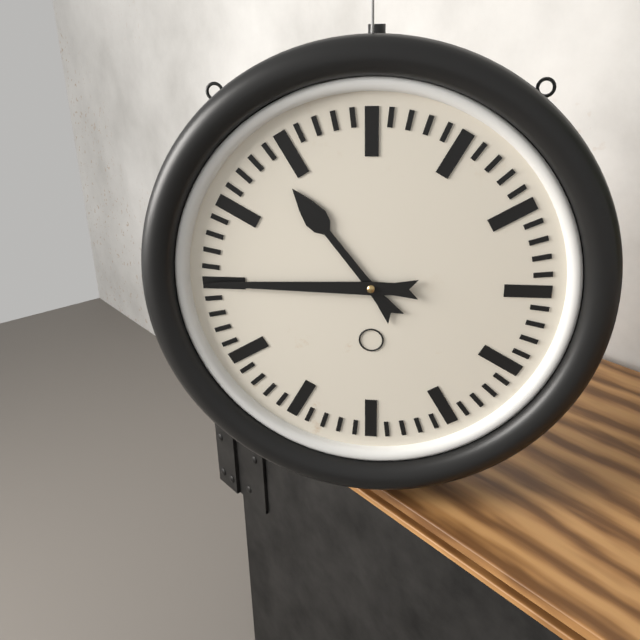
10:45
